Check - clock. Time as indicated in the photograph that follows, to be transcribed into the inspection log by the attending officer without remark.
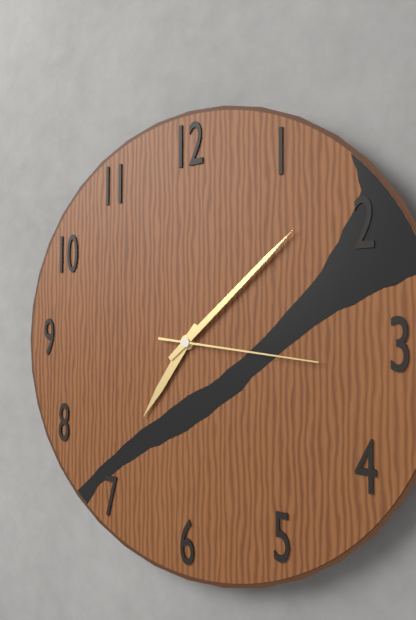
7:08:16
